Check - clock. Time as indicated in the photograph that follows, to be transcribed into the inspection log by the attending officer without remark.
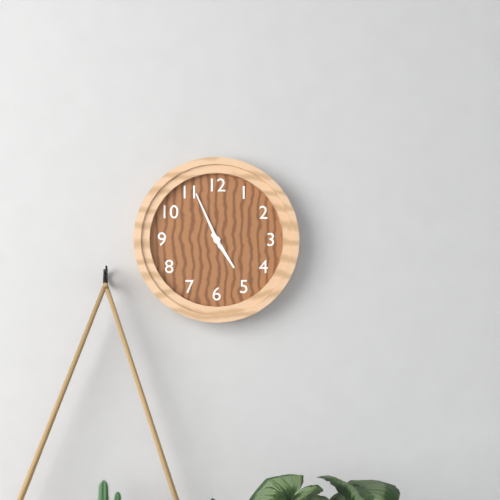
4:56
